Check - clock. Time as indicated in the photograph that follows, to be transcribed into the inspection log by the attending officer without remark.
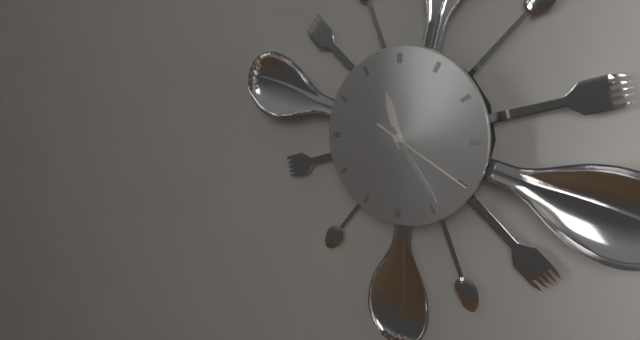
11:24:20
